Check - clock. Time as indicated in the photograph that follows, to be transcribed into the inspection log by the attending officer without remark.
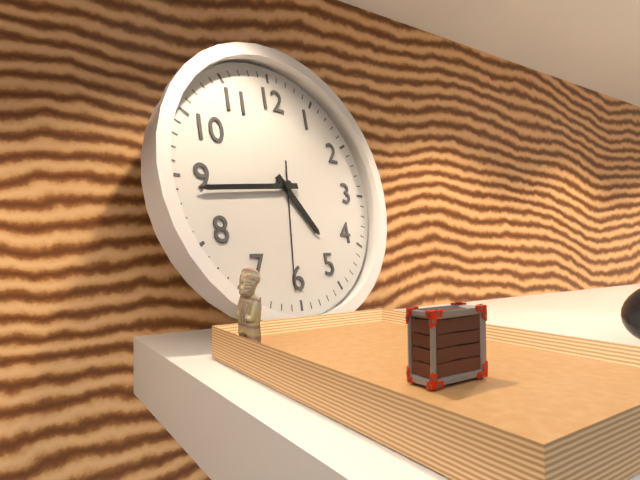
4:44:31
